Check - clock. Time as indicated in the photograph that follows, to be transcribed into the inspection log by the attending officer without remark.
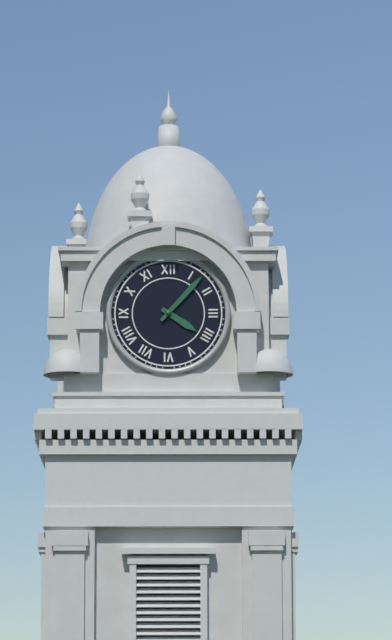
4:07
